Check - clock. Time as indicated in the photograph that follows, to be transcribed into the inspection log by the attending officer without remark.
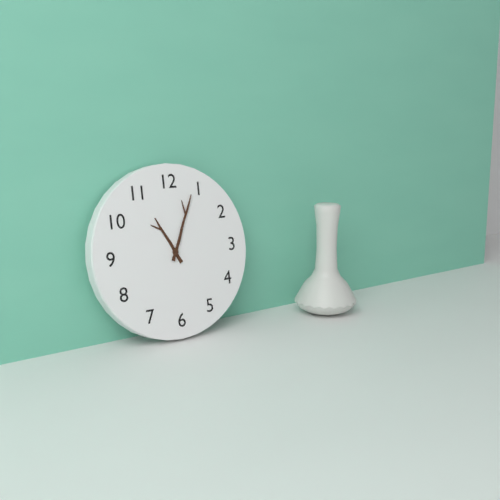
11:04
